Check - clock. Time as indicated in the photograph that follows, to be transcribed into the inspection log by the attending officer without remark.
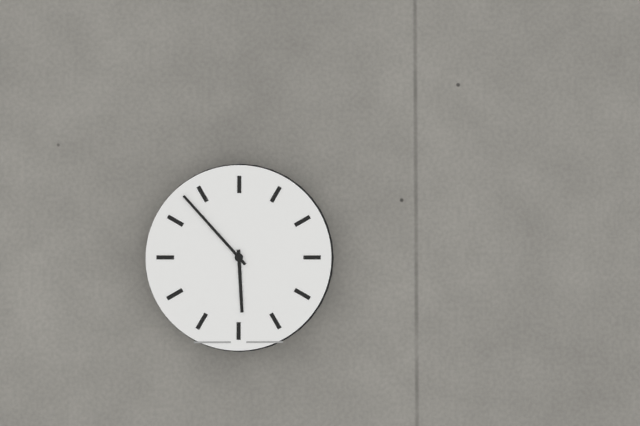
5:53
